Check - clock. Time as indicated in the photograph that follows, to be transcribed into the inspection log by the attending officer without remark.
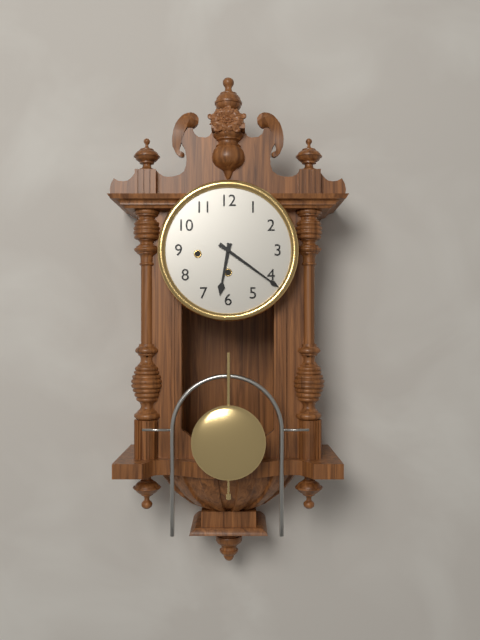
6:21
